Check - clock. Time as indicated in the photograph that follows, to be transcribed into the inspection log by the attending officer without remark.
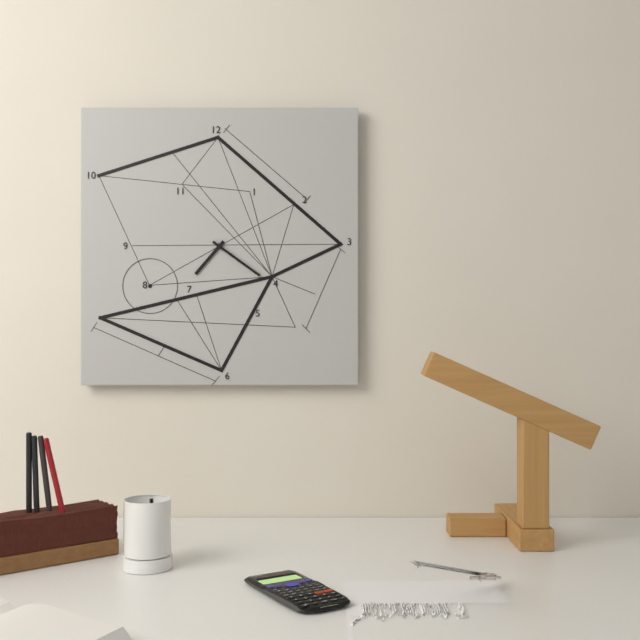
7:21
